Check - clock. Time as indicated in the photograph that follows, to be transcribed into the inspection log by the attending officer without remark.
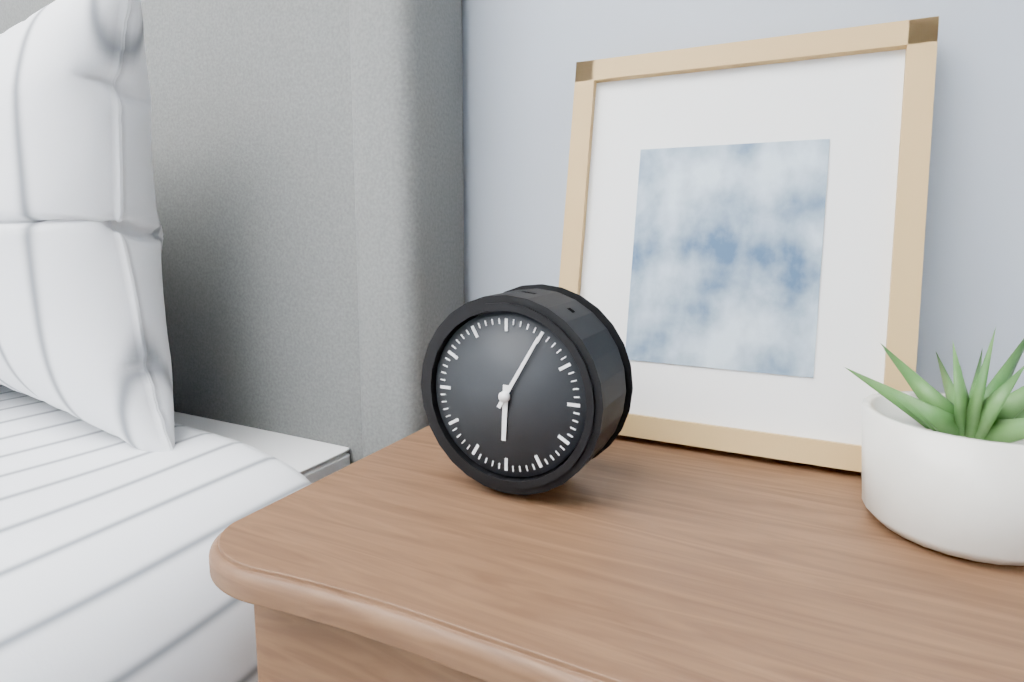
6:05
